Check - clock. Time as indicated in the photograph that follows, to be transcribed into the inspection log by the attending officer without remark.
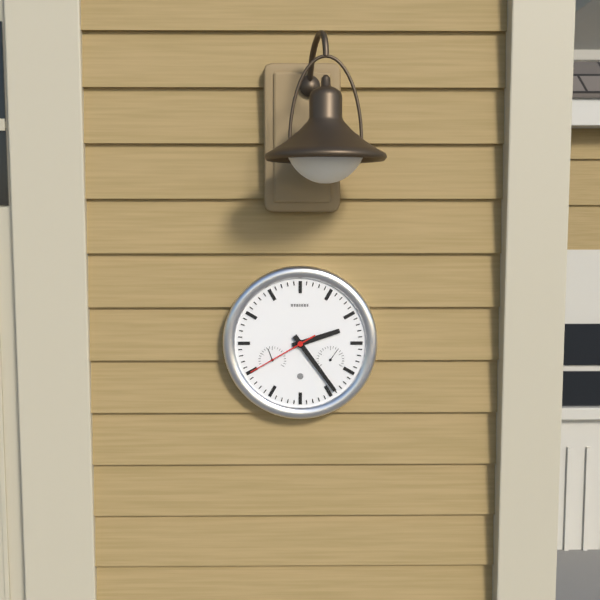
2:24:40
